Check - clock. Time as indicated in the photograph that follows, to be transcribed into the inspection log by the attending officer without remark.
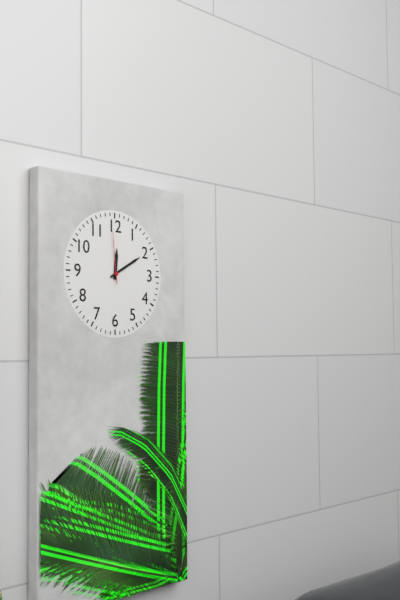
12:10:59
